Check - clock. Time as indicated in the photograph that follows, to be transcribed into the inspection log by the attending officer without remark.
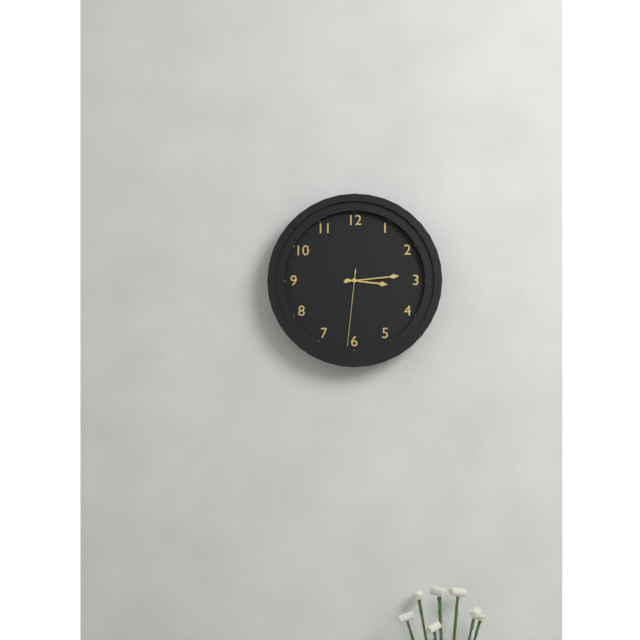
3:14:31
